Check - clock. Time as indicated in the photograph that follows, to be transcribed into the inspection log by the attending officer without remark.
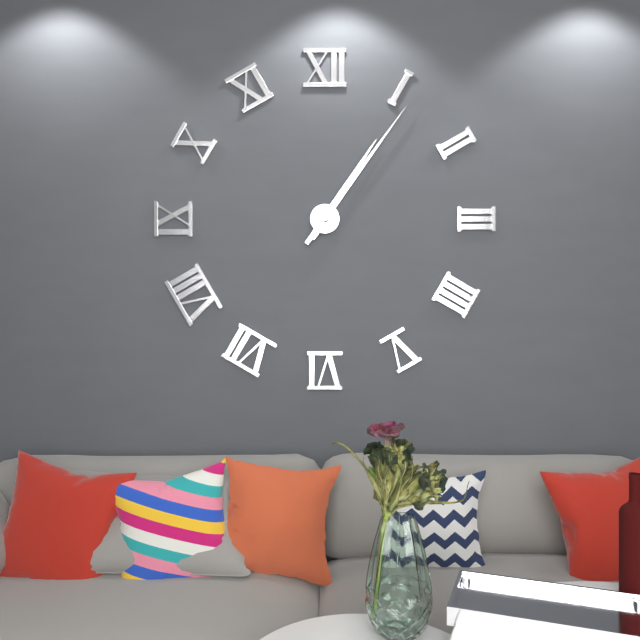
1:06
